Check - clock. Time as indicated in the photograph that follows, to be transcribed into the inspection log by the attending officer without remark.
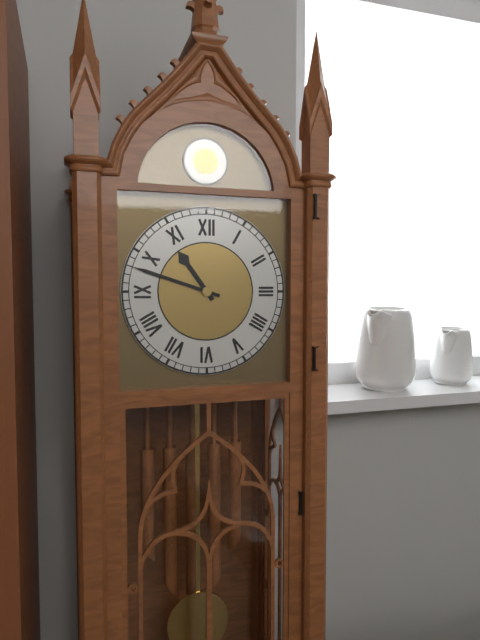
10:48
